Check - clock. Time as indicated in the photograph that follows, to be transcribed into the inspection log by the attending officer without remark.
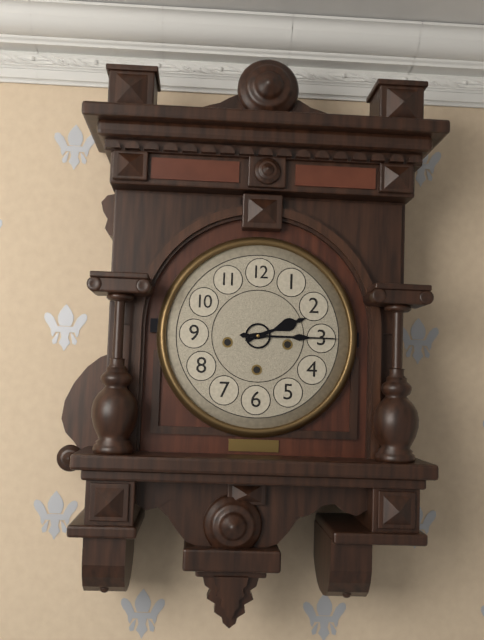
2:15
